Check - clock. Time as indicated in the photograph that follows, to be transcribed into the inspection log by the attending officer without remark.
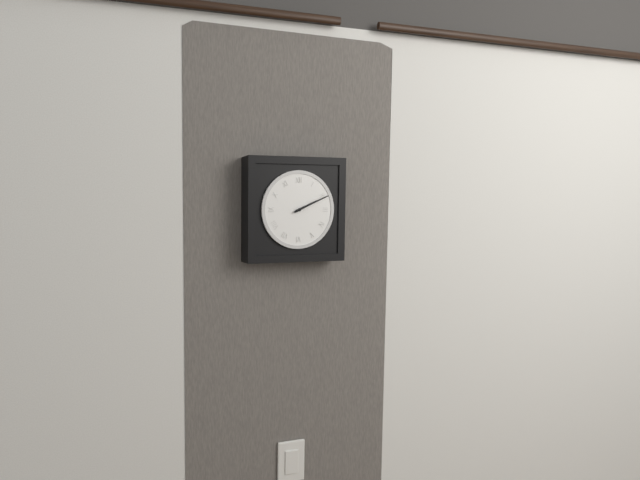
2:11
